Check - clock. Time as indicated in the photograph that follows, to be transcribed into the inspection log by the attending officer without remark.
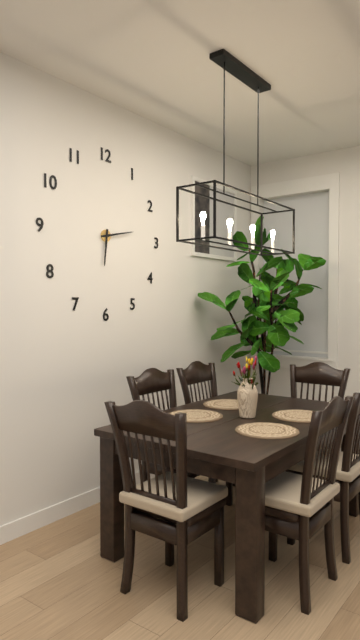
6:13
